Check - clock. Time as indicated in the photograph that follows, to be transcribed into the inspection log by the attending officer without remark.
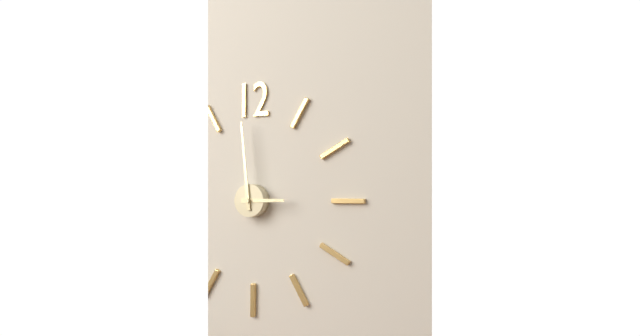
2:59
